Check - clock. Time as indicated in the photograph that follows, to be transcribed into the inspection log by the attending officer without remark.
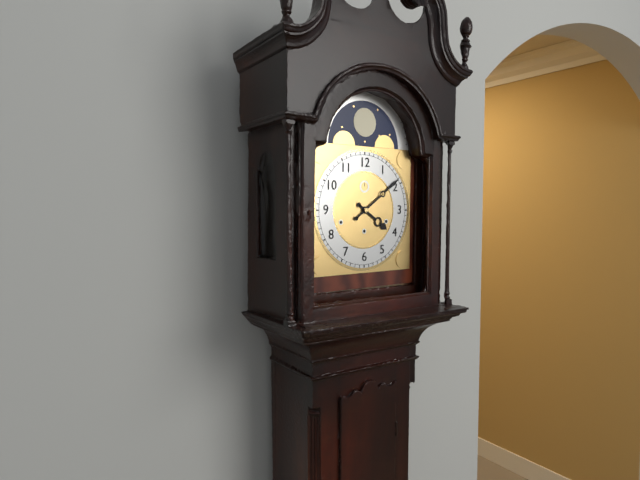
4:09
